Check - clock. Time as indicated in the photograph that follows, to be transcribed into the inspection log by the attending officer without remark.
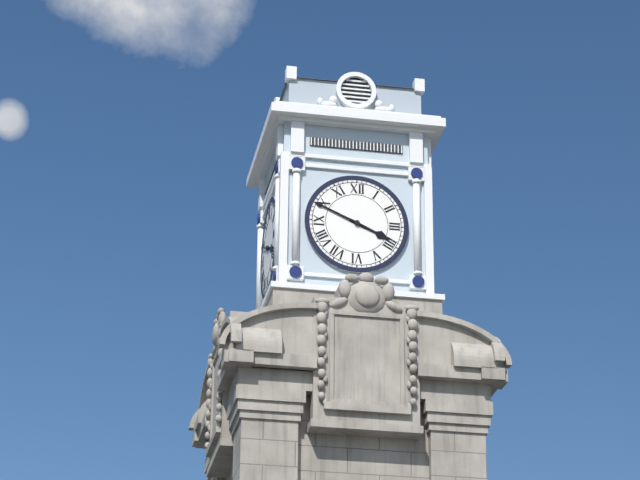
3:49
